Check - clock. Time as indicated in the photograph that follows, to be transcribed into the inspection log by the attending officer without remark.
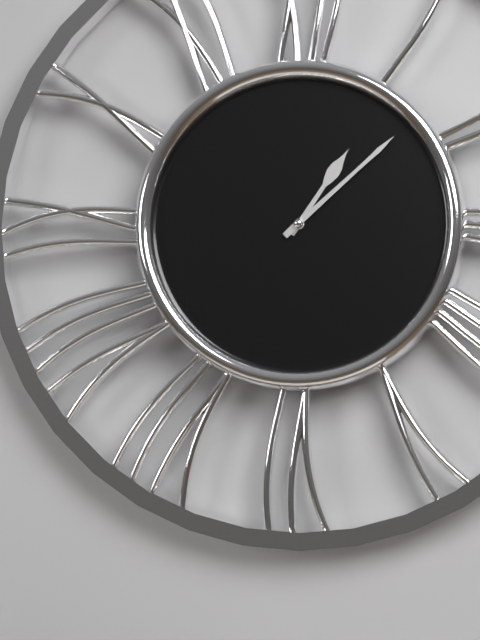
1:08
